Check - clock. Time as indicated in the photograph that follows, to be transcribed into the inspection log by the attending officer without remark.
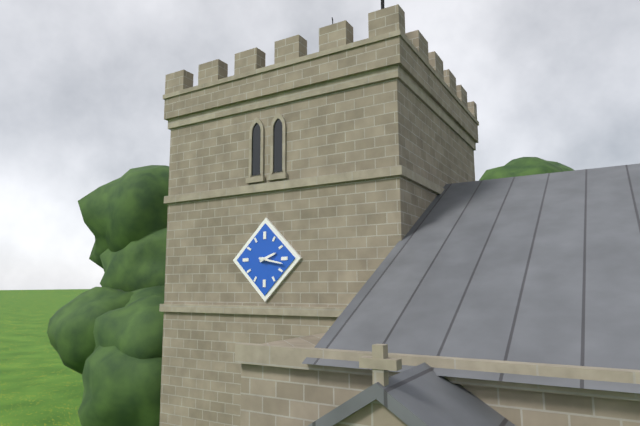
2:17
